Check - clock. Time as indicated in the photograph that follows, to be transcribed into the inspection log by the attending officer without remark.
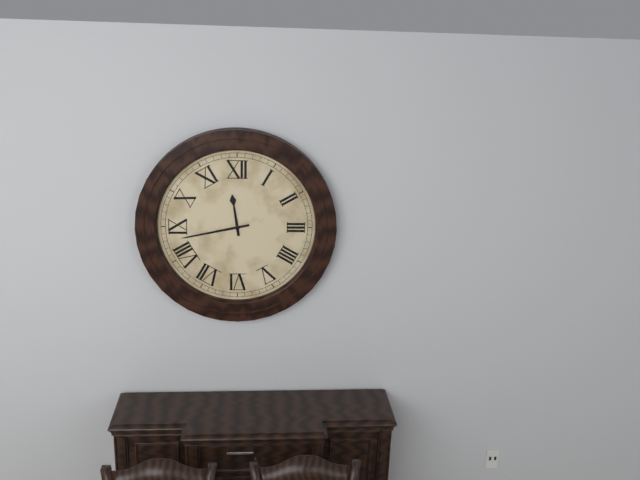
11:43
